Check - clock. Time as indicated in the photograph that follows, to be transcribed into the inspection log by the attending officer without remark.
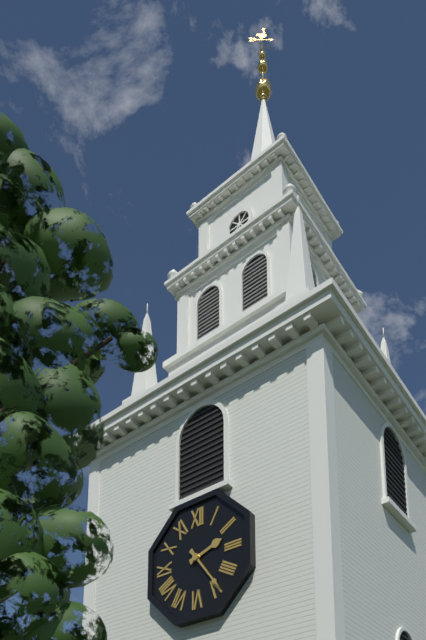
2:24
